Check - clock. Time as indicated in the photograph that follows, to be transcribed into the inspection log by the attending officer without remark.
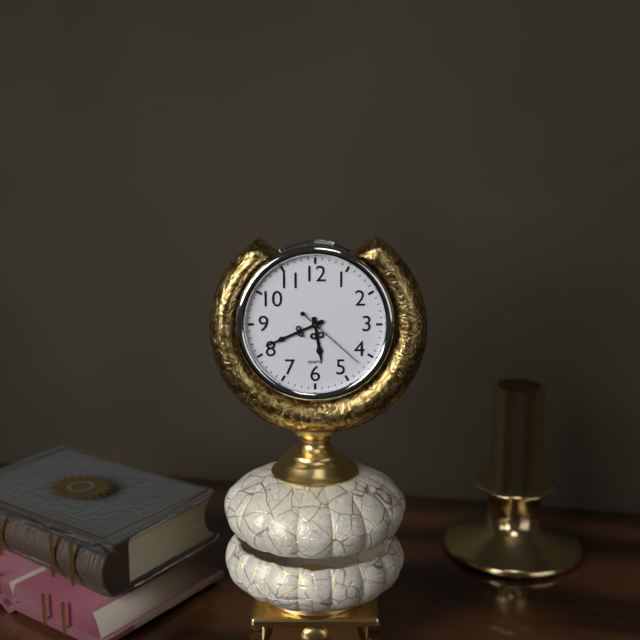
5:41:22
